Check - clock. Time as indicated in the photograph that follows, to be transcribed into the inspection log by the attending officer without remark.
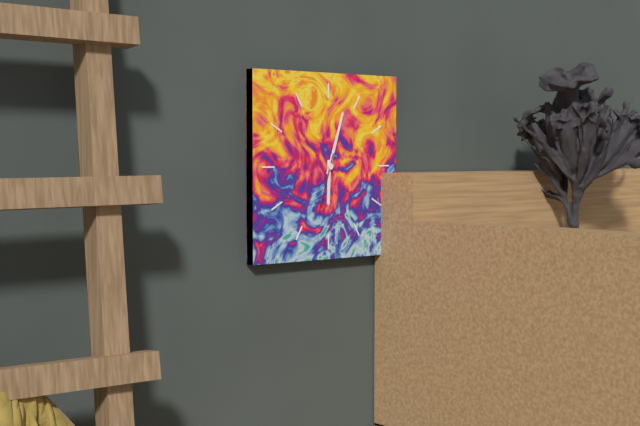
6:03:33
